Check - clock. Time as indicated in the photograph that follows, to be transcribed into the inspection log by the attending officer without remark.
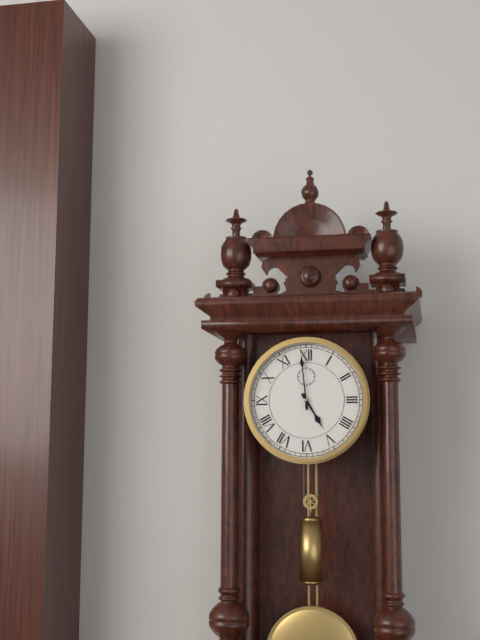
4:59
